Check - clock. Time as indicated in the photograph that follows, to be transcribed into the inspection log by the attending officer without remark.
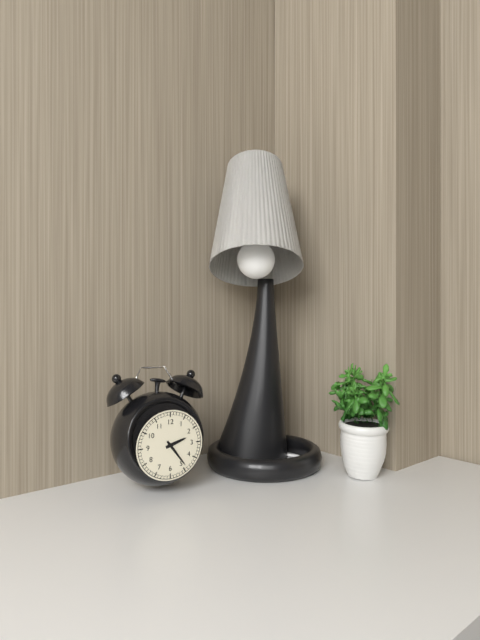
2:24
